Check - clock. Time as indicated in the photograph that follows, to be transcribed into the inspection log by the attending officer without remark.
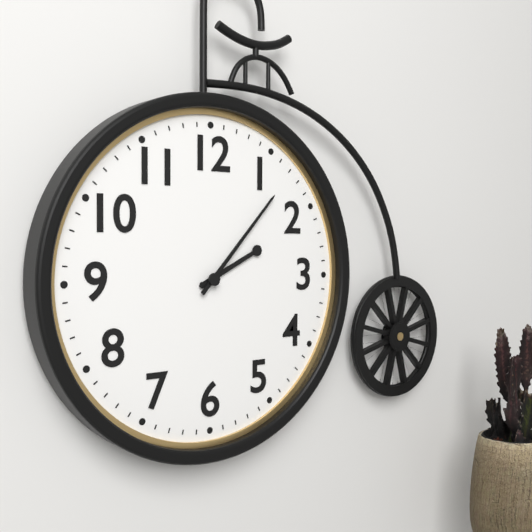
2:07
